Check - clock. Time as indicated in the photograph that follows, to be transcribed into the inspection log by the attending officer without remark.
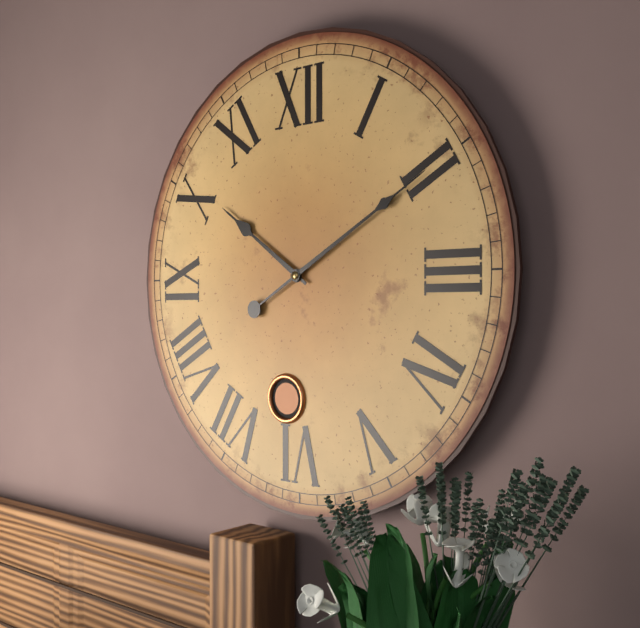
10:10
